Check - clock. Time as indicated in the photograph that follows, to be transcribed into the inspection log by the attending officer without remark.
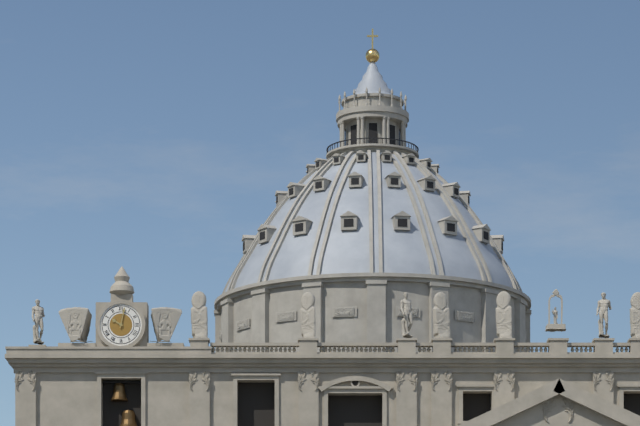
10:02
